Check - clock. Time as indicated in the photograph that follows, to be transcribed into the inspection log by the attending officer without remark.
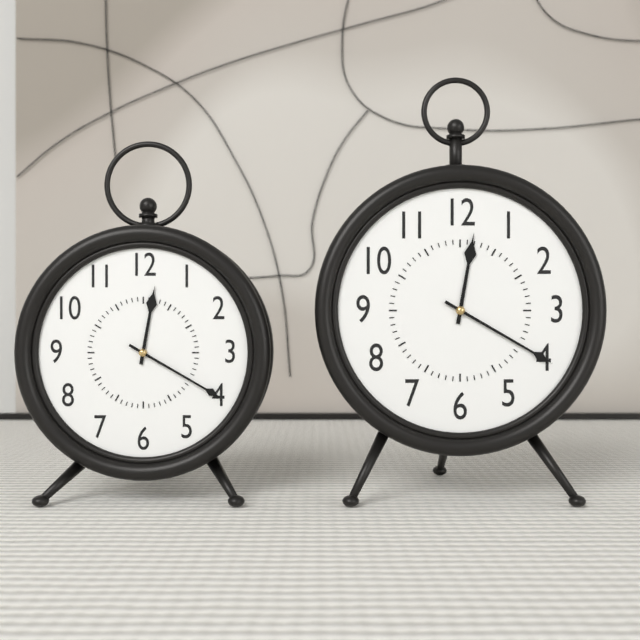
12:20
